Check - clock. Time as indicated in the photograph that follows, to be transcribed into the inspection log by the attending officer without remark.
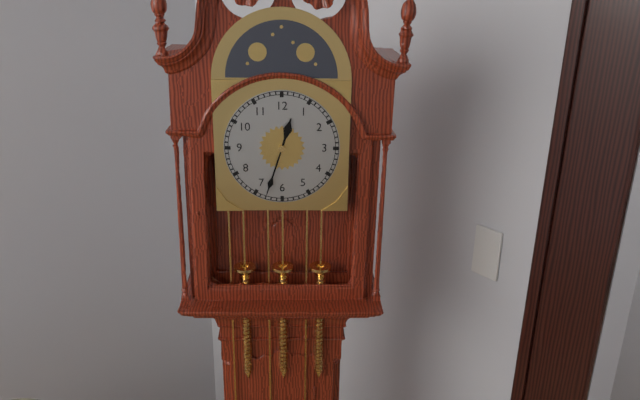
12:33
